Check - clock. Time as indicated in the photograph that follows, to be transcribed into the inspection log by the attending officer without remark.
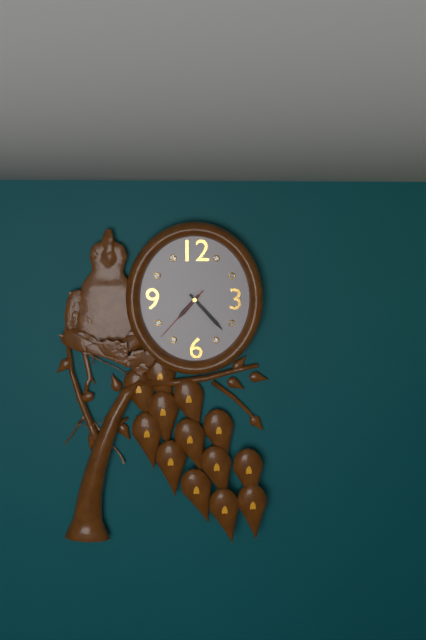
7:23:37
